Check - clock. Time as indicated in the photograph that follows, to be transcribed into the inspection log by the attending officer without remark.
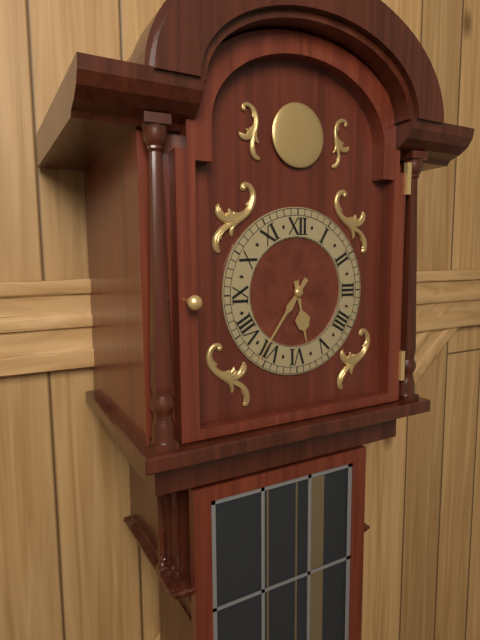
5:36
